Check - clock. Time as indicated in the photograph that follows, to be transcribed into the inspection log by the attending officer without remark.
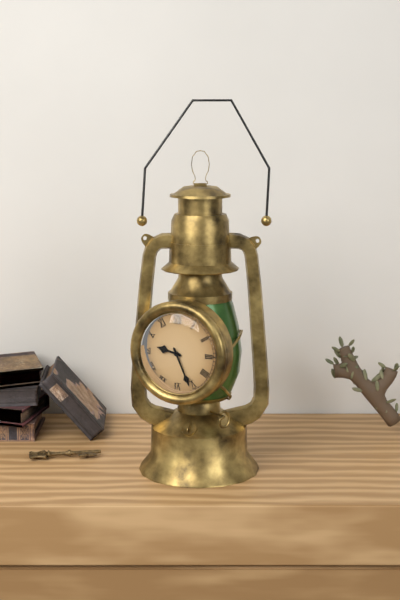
9:26
